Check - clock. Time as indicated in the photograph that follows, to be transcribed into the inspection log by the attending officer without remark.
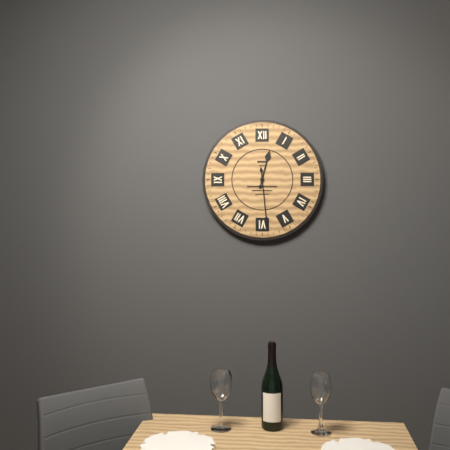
12:29
